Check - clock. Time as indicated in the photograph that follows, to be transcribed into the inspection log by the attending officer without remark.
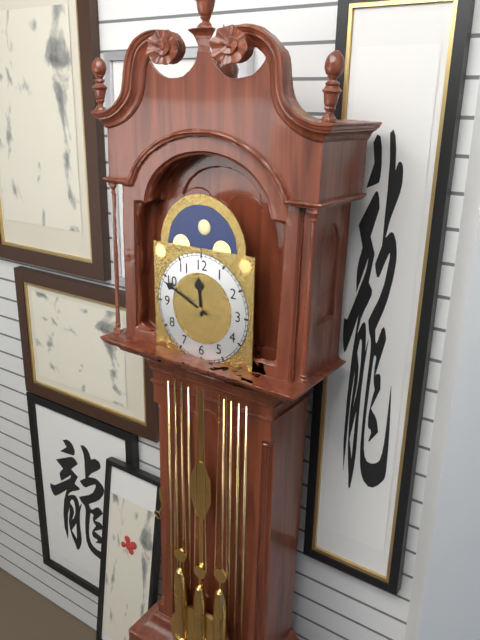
11:49
